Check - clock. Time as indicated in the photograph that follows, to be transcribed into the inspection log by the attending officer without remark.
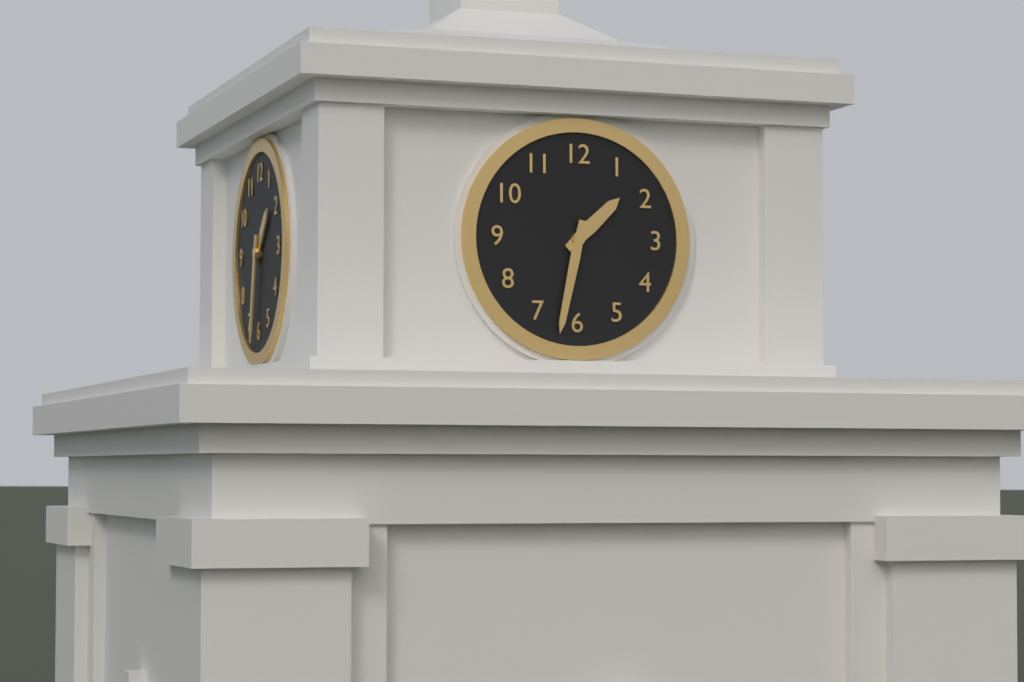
1:32
